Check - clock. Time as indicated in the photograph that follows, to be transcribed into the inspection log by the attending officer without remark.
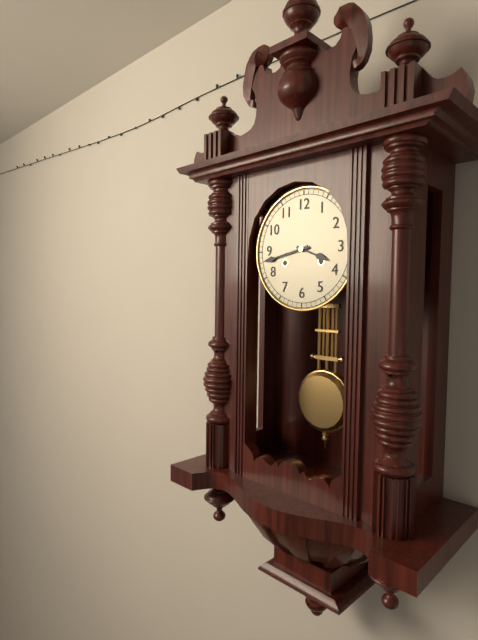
3:43
